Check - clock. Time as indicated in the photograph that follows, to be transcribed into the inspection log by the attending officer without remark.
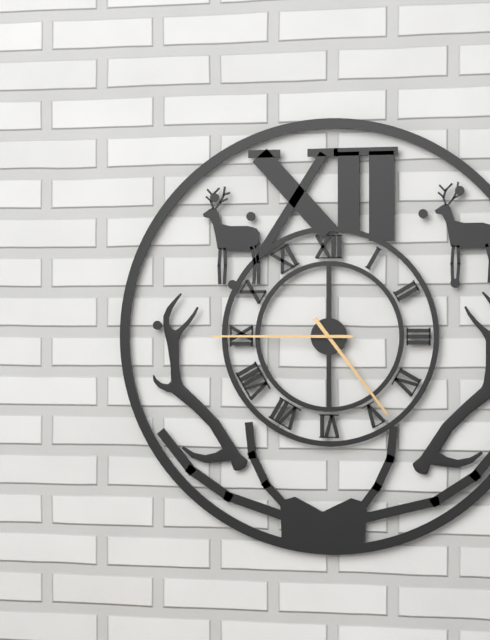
4:45
